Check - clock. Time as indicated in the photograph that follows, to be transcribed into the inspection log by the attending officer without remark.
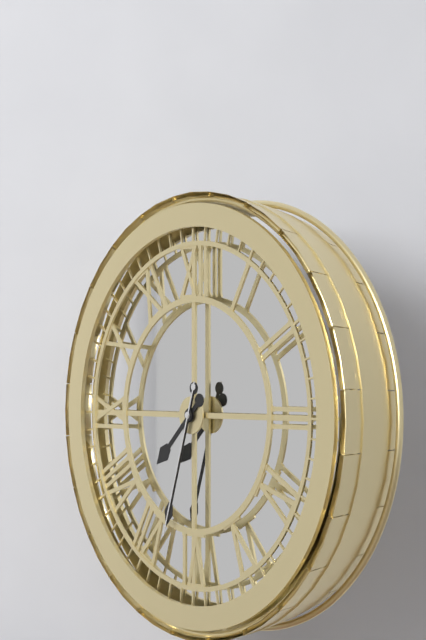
7:33:33
